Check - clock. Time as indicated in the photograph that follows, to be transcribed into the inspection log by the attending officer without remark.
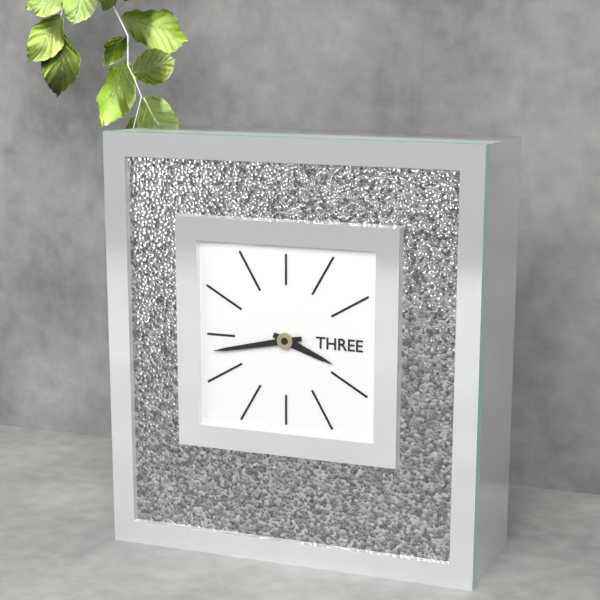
3:43
